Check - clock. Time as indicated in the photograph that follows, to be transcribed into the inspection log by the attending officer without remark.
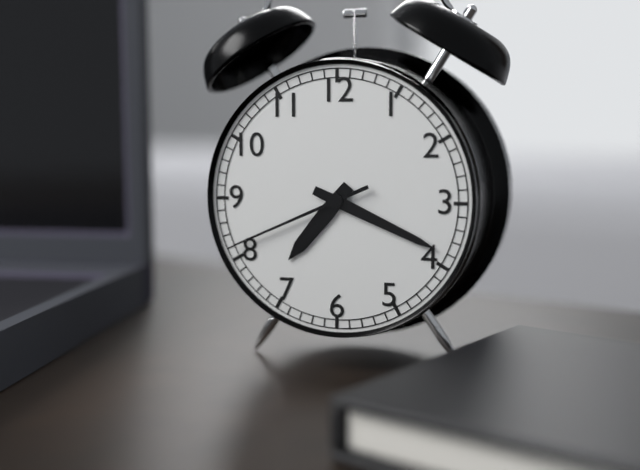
7:19:41
